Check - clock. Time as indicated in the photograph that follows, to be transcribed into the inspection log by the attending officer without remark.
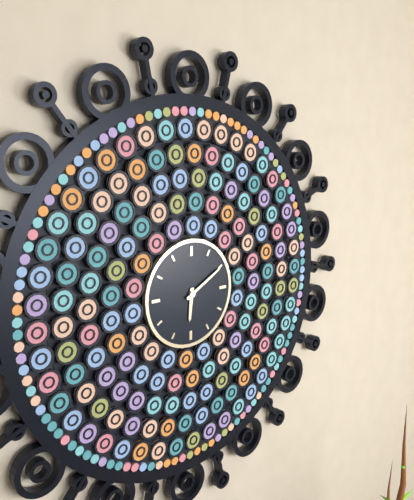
6:10
